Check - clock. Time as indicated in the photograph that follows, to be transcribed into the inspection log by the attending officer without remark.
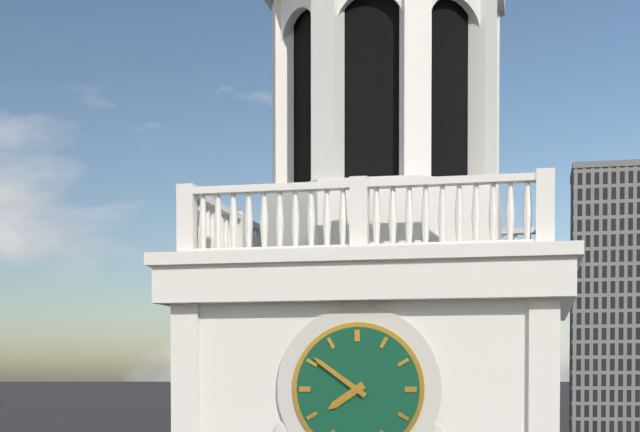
7:51
